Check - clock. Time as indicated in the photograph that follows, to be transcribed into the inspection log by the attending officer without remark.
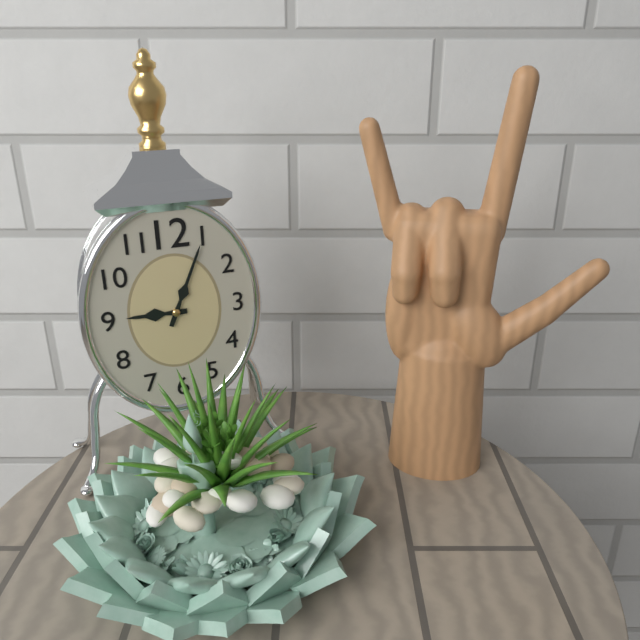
9:04
